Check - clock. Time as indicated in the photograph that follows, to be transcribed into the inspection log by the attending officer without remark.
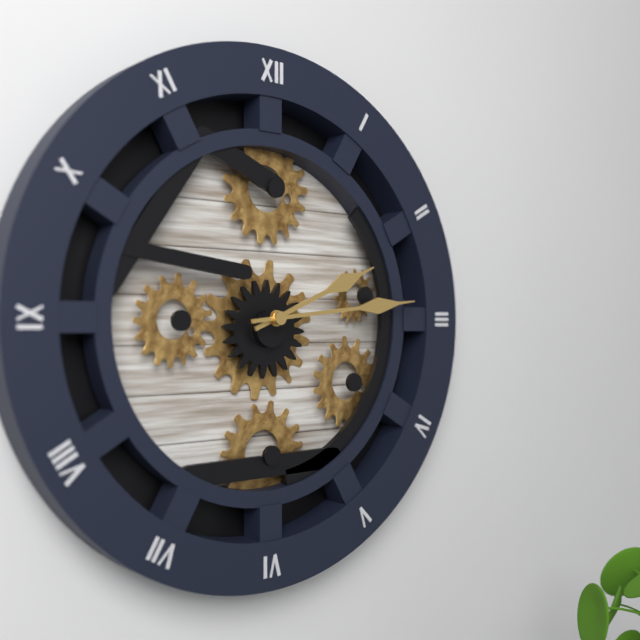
2:14
